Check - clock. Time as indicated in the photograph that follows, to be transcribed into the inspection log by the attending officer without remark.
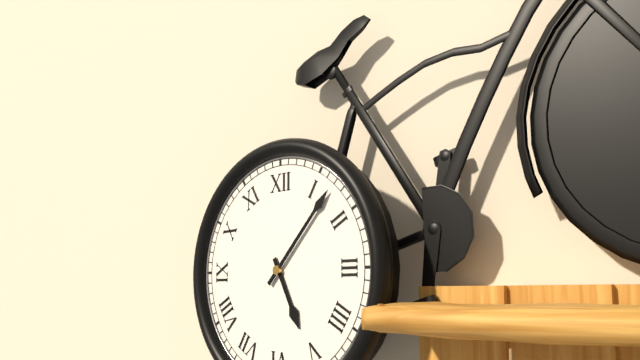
5:07
